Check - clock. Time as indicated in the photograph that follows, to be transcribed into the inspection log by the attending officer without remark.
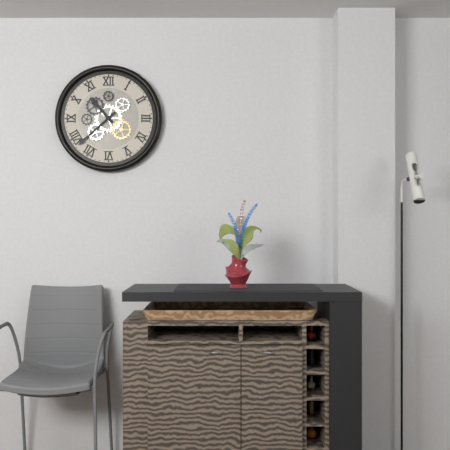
10:38
